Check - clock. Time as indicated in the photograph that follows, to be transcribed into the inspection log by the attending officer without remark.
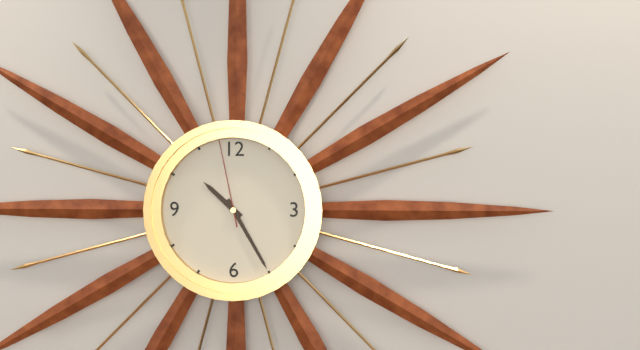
10:25:58
